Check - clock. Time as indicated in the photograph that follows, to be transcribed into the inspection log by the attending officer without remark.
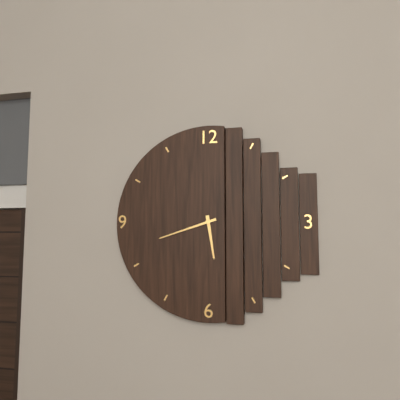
5:42
